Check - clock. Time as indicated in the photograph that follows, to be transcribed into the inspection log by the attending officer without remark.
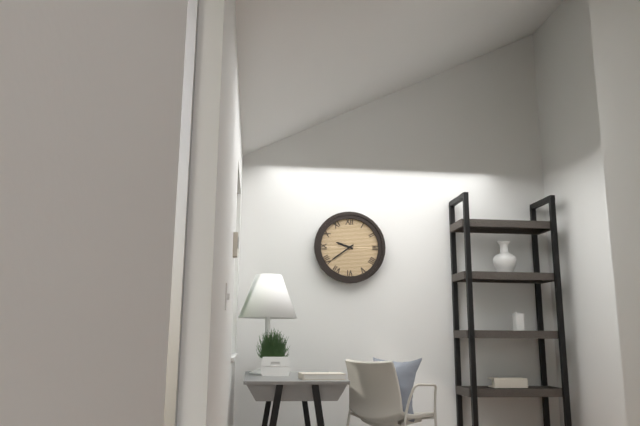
9:39
